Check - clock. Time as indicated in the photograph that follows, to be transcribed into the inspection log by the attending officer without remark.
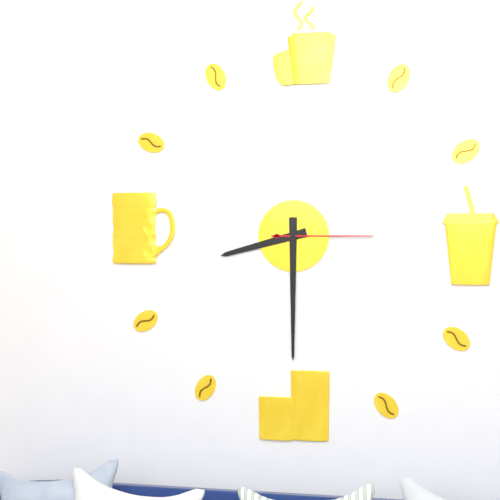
8:30:15
